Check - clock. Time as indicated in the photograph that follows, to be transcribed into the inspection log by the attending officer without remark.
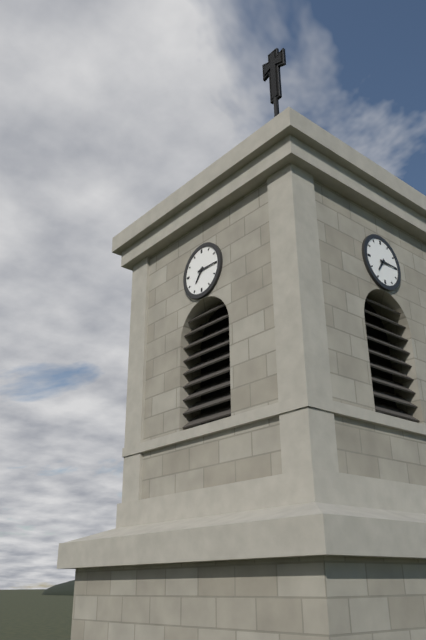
7:15
